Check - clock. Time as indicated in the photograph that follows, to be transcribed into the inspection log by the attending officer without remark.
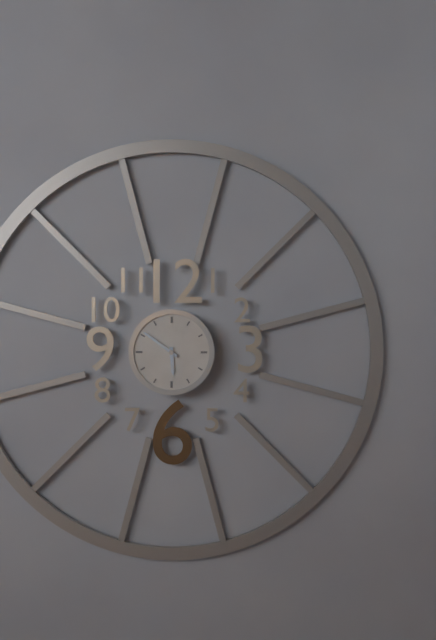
5:51
